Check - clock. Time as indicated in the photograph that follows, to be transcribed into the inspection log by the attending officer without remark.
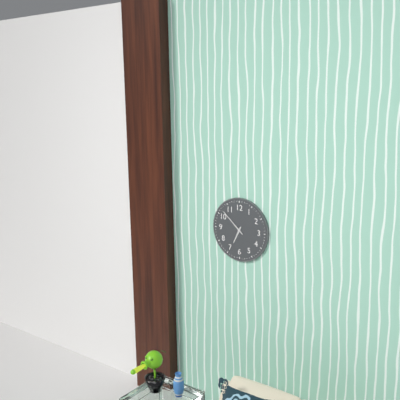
6:52
